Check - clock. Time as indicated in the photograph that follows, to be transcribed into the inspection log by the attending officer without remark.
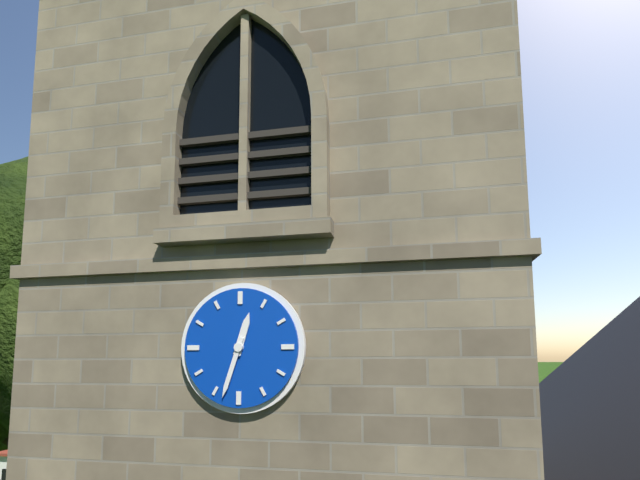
12:33
